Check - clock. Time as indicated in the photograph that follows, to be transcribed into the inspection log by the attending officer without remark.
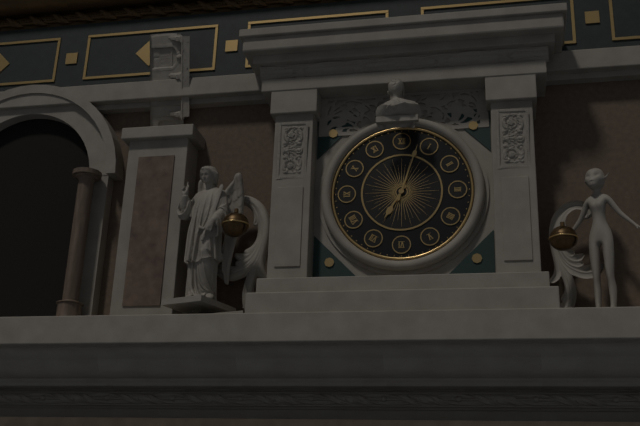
7:03
